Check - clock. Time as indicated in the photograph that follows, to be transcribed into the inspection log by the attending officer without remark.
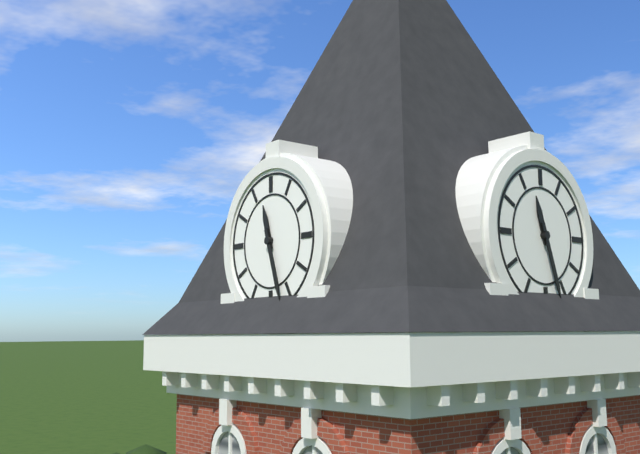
11:27
